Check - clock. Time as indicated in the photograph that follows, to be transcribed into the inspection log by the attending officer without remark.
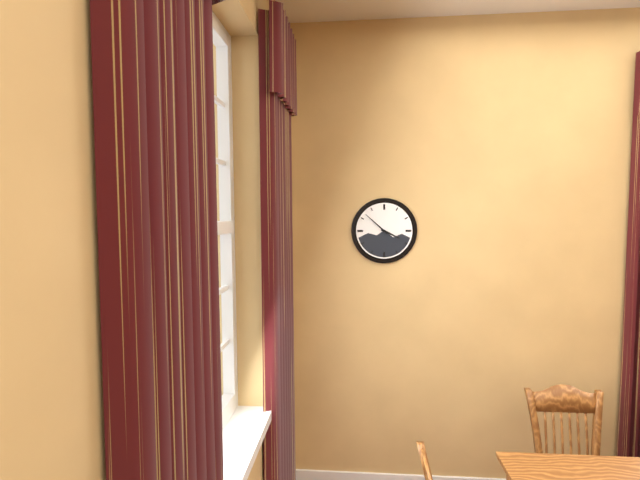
3:52
